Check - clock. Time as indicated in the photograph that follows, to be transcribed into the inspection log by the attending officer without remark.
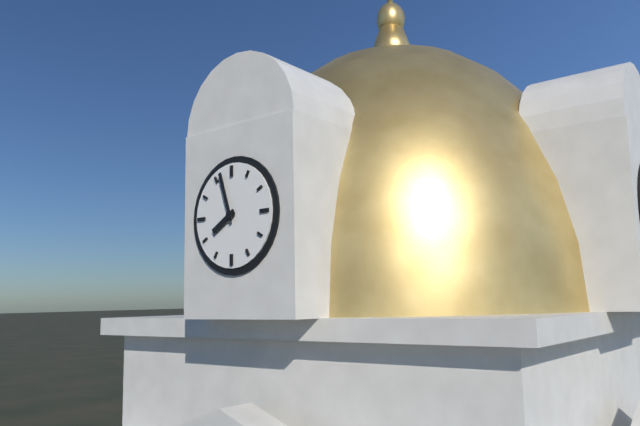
7:57
